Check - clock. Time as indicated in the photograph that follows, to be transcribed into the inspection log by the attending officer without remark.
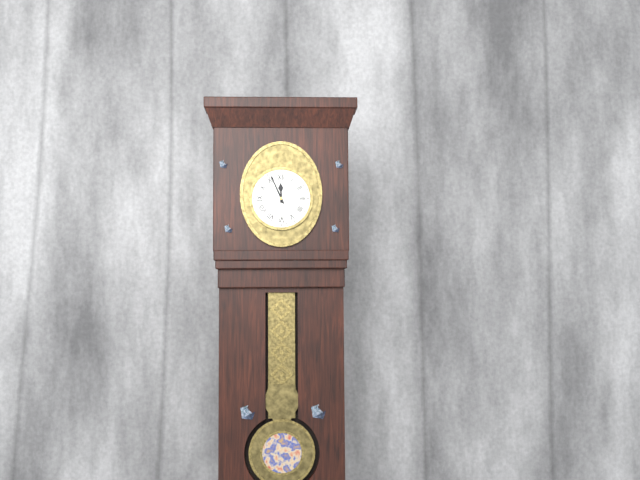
11:56
